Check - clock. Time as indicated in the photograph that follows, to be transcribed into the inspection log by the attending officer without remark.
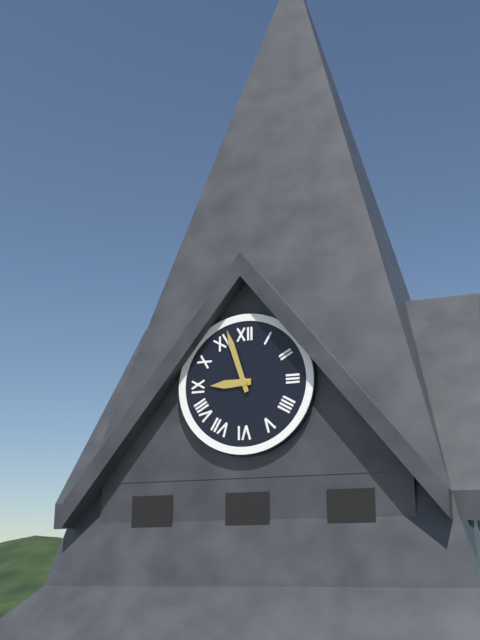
8:57
